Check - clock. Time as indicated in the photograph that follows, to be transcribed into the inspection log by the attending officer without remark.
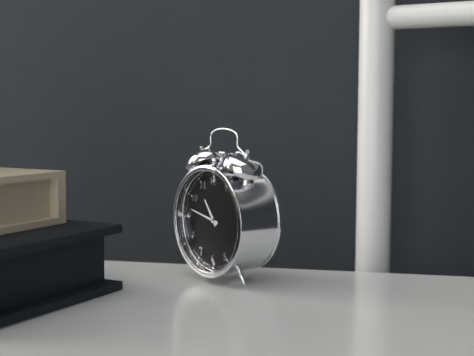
10:47
